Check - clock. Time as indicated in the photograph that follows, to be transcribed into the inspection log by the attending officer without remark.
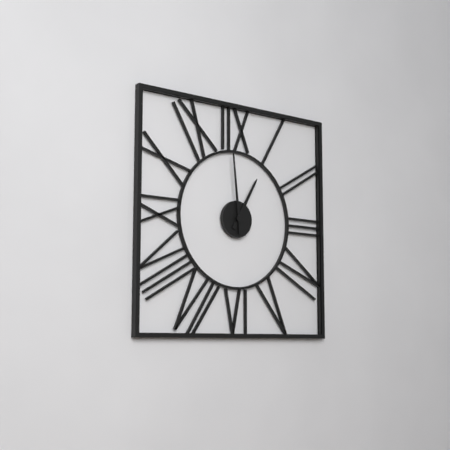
12:59
